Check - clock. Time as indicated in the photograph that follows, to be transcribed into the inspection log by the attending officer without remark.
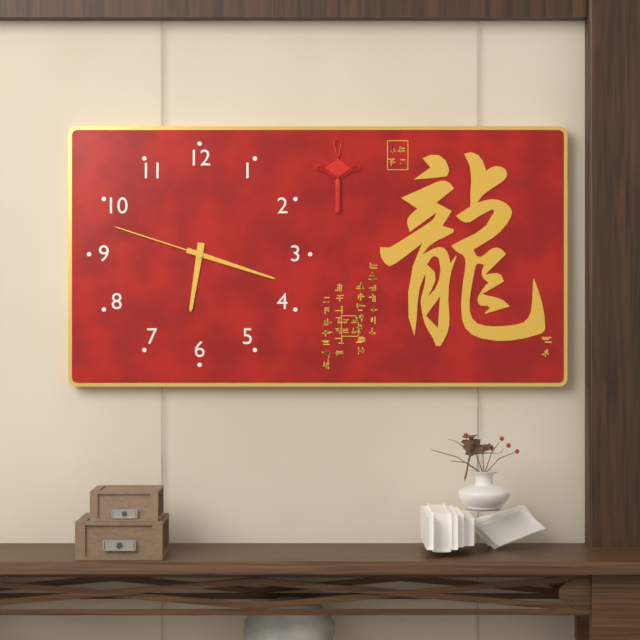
6:18:48
